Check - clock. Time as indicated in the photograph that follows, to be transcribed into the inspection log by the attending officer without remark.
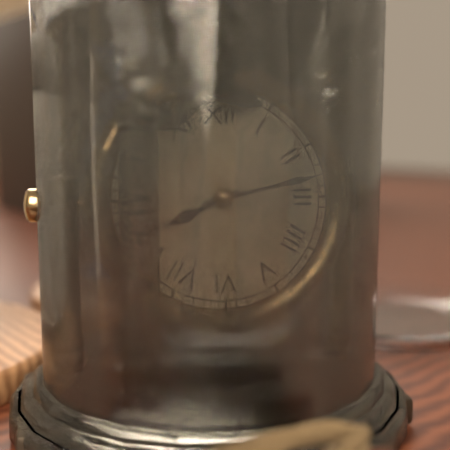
8:13
